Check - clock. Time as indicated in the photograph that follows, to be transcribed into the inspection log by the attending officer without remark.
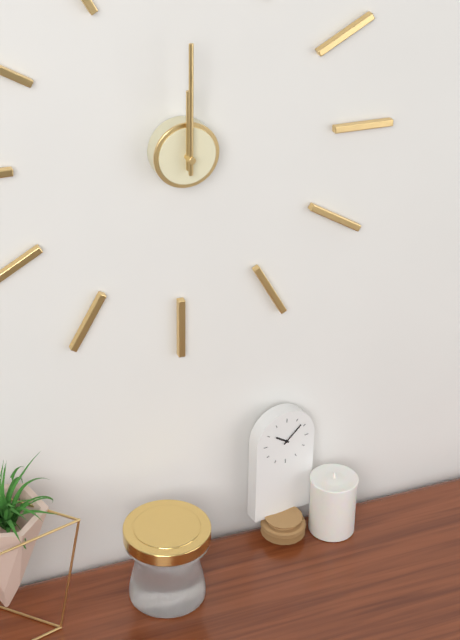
12:00
